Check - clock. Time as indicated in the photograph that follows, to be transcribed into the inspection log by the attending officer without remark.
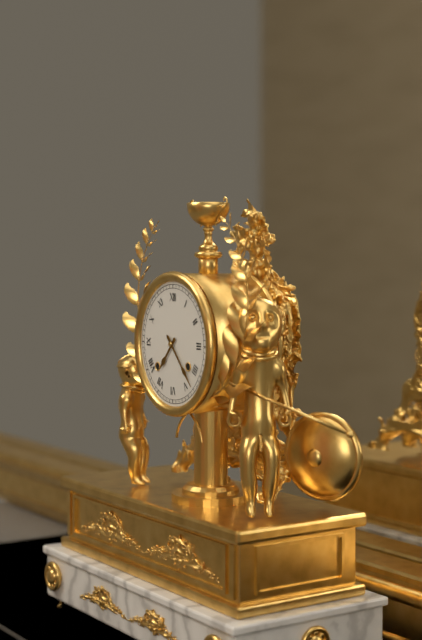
7:23
